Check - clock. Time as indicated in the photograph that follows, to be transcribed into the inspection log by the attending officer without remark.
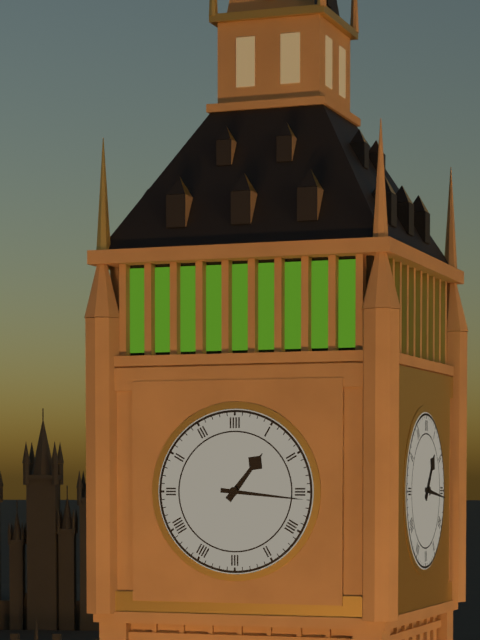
1:16
